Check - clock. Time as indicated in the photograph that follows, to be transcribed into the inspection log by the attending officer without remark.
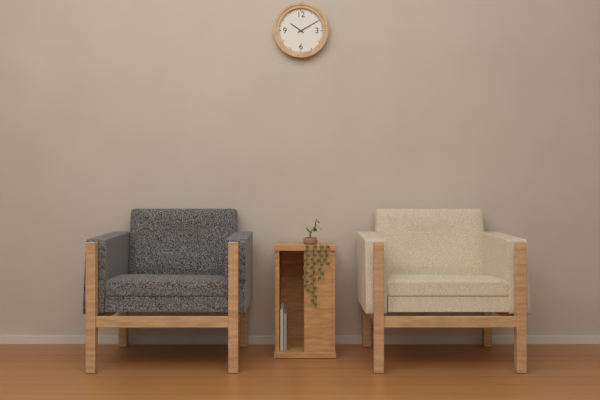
10:10
